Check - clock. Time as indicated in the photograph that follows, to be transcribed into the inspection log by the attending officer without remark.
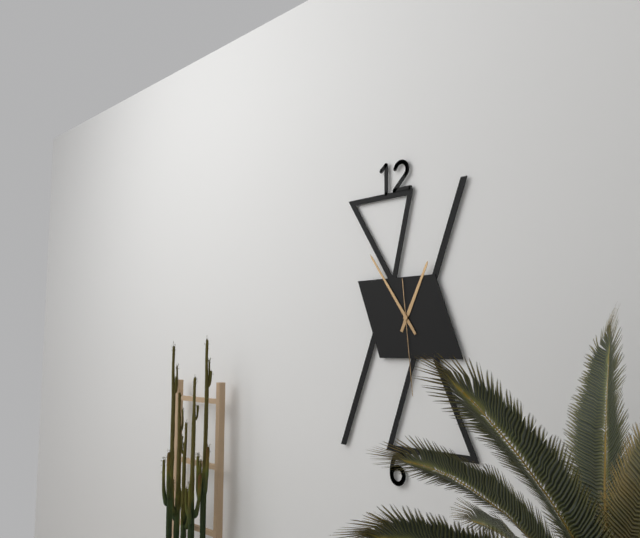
12:54:29
